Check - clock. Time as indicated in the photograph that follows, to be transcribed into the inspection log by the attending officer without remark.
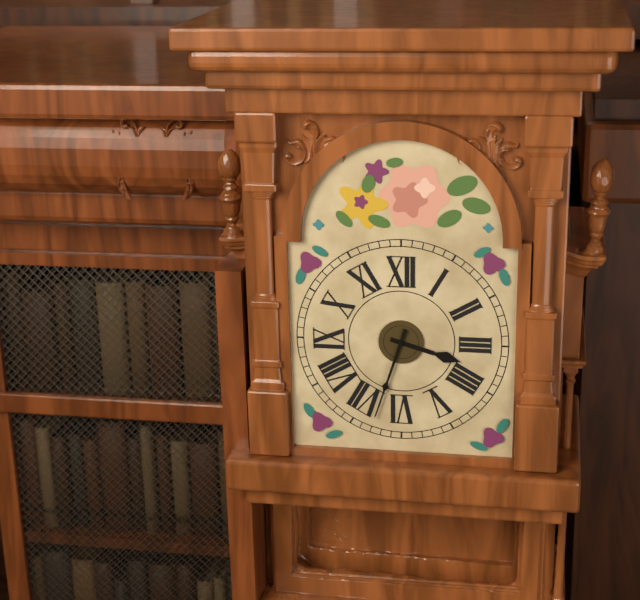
3:33
